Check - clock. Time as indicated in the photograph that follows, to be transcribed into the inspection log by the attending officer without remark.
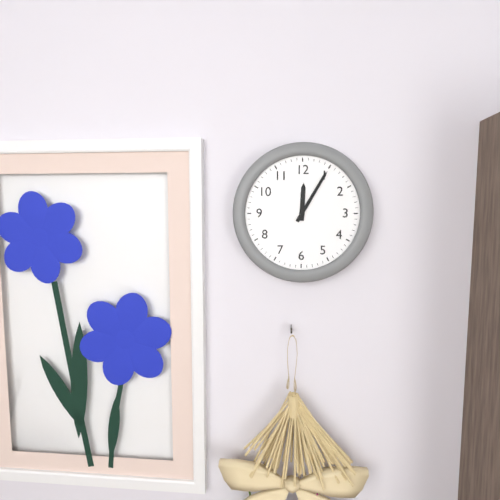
12:05
